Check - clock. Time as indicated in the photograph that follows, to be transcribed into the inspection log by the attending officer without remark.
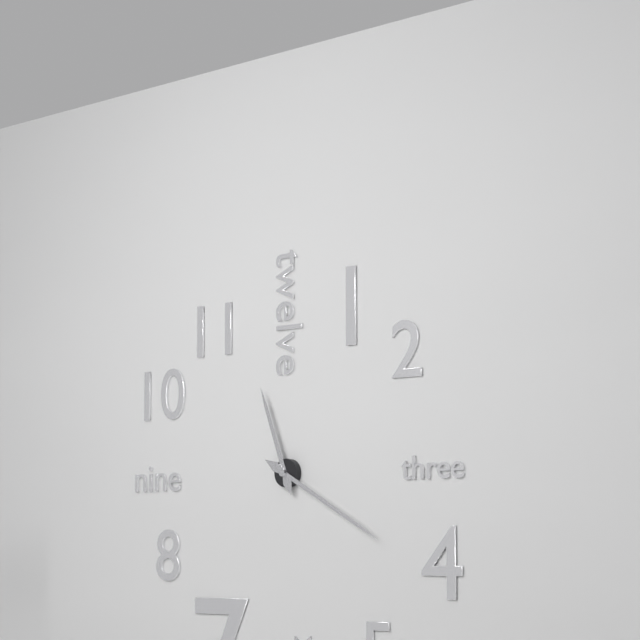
11:20
